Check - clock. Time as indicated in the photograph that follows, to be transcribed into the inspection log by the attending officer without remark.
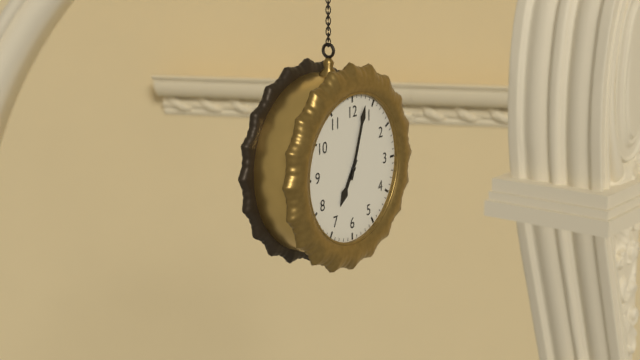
7:03
